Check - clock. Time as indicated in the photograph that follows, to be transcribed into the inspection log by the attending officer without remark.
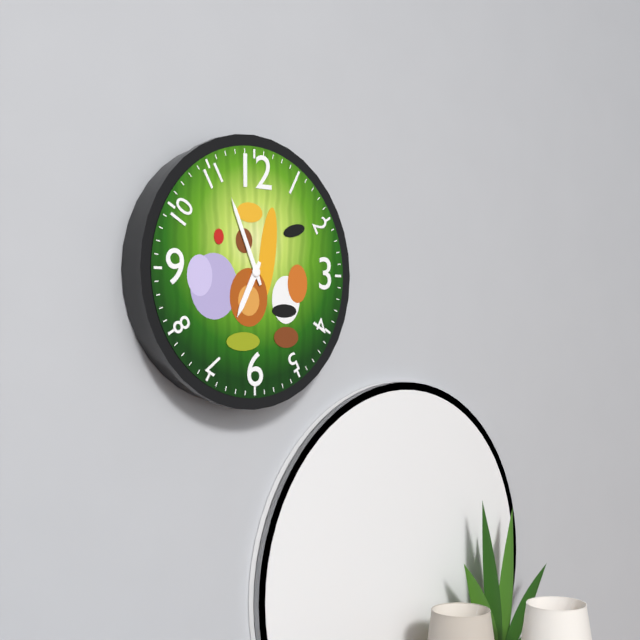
6:56
